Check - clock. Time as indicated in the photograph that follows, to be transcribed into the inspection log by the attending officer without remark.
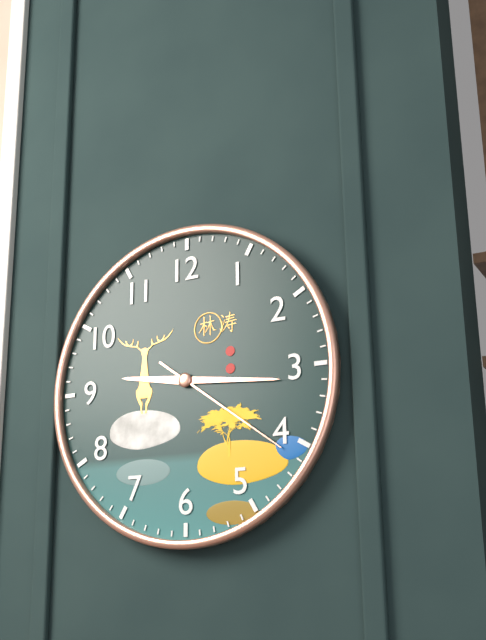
9:16:21
